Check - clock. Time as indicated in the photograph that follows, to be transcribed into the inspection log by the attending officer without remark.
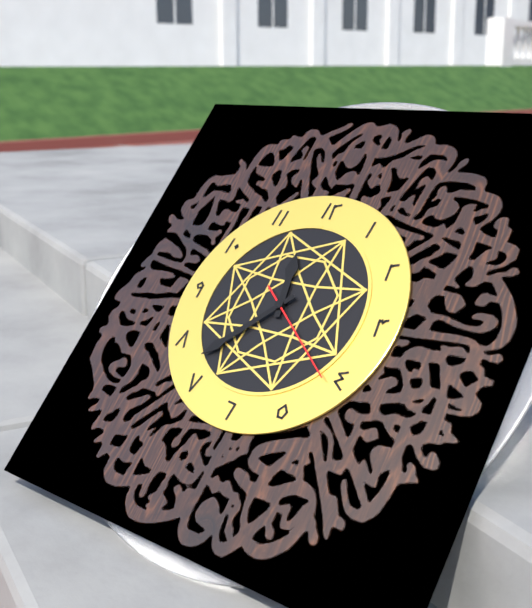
11:37:21
